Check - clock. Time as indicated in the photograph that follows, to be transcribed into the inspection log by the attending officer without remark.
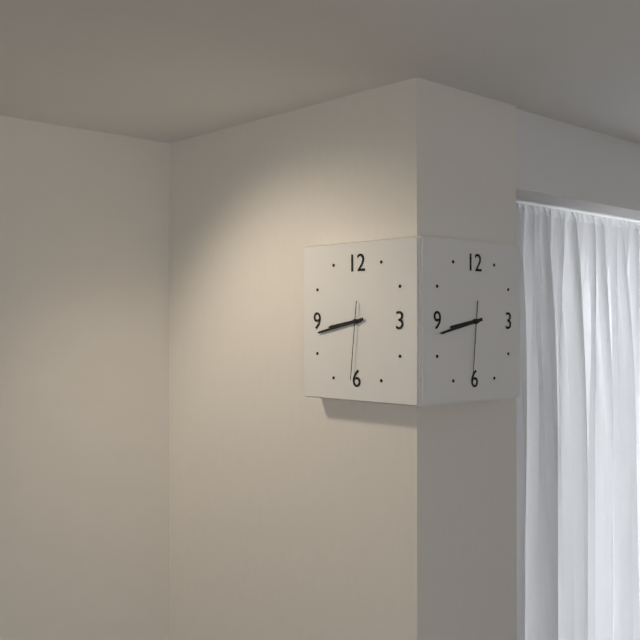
8:43:31
